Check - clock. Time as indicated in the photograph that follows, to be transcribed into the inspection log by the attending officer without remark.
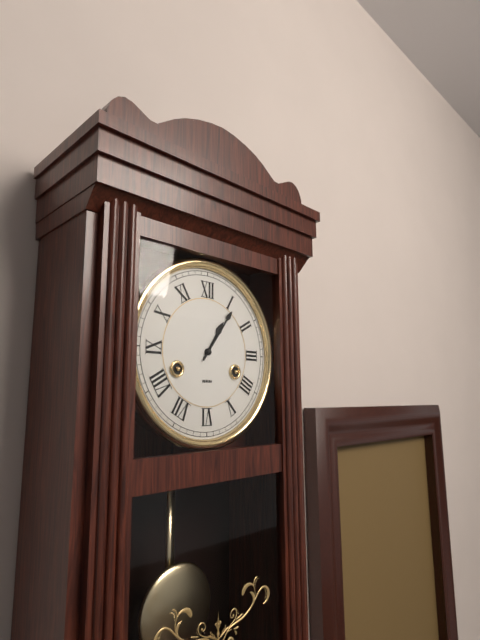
1:06
